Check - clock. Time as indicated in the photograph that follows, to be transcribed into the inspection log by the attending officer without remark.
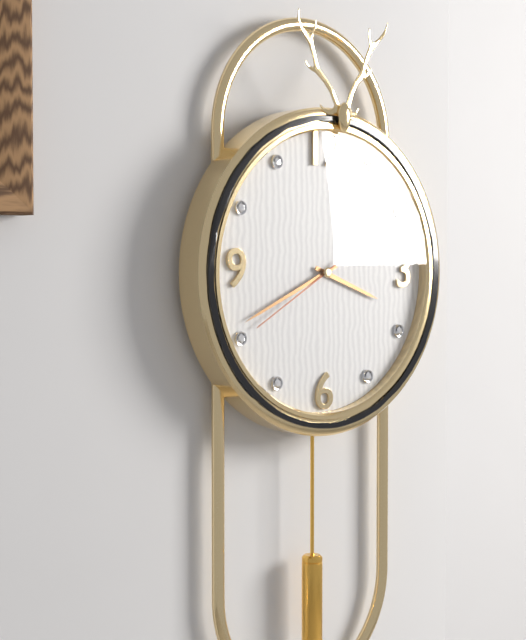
3:41:40
